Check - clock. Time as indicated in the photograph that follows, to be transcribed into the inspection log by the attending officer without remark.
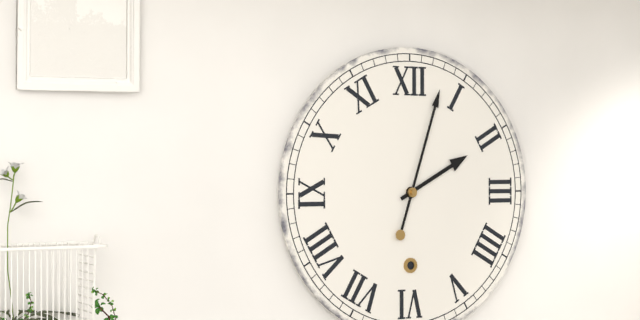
2:03
